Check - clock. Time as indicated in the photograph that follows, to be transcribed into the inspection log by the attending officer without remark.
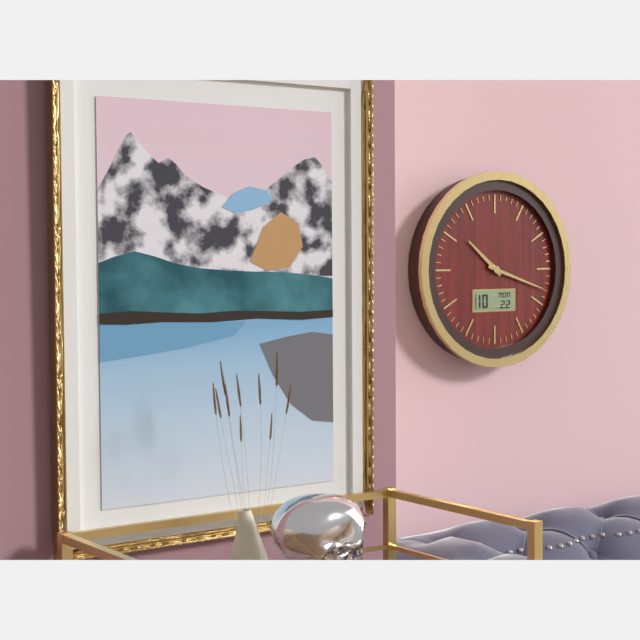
10:18
